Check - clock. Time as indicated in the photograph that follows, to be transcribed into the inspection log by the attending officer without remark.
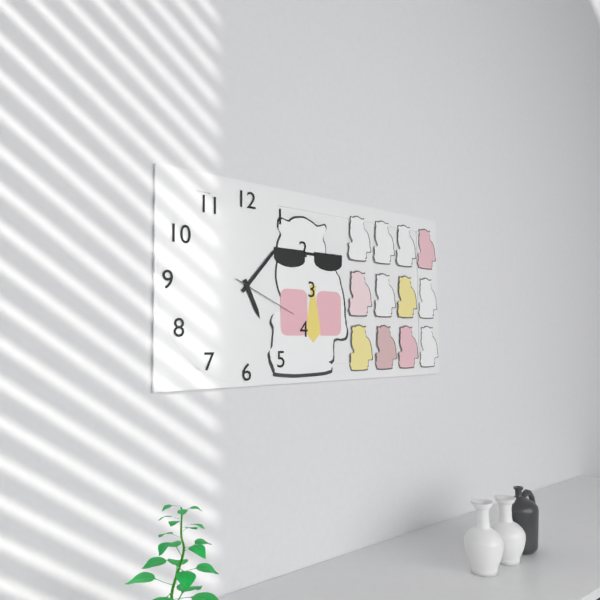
5:07:19
